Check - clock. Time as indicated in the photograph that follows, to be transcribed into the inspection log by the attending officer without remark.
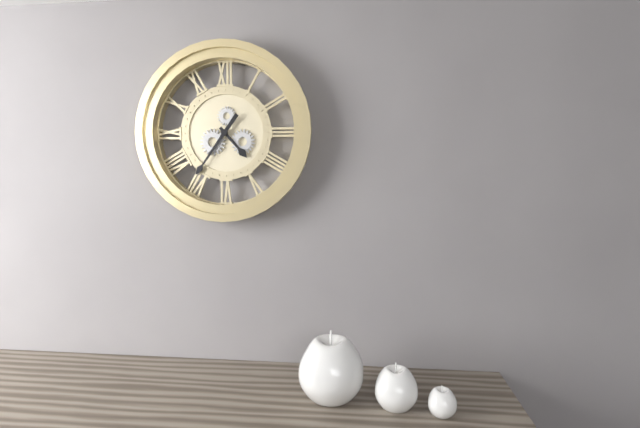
4:36
